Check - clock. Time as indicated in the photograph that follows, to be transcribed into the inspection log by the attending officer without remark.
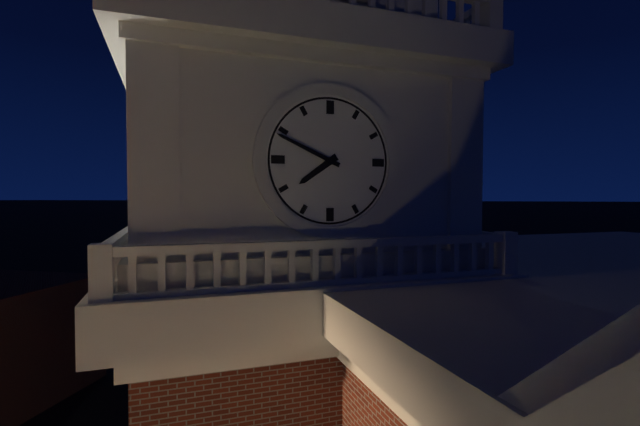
7:49
